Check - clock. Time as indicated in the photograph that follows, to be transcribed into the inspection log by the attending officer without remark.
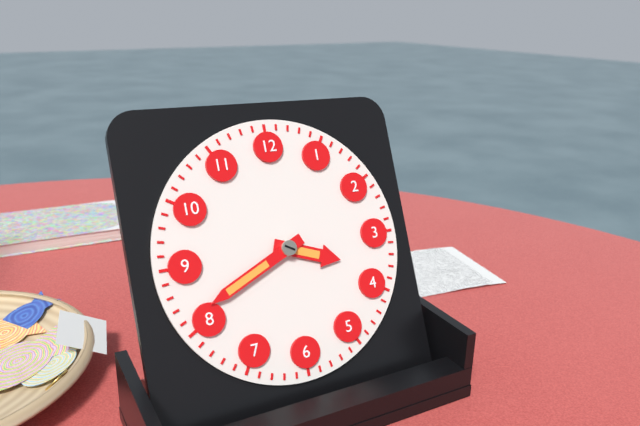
3:41
